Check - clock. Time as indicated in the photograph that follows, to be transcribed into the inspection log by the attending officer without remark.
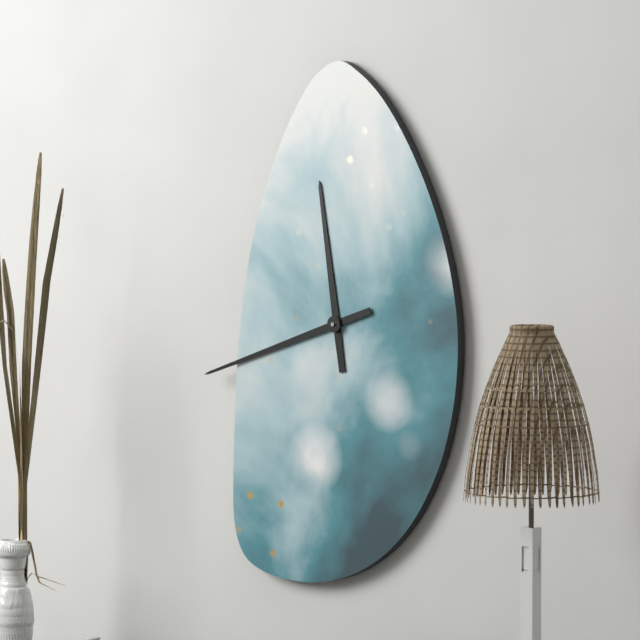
11:42
